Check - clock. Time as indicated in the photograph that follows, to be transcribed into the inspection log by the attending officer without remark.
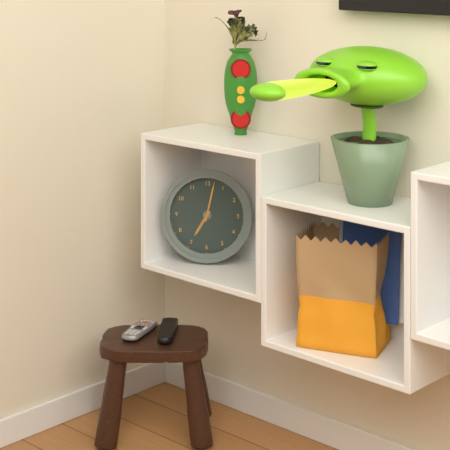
7:02
